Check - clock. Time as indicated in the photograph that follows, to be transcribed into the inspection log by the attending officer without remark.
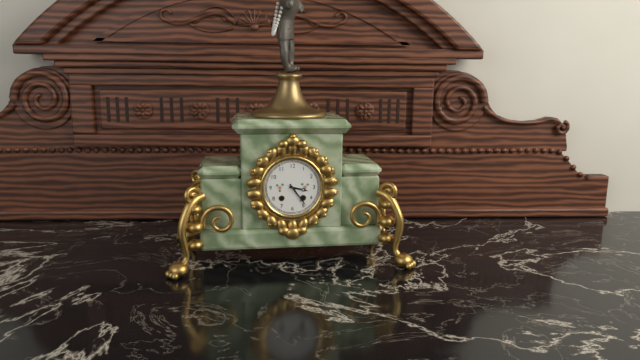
3:24
